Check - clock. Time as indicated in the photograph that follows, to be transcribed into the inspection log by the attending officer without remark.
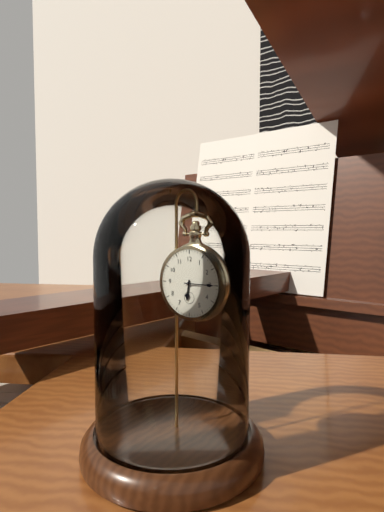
6:15
